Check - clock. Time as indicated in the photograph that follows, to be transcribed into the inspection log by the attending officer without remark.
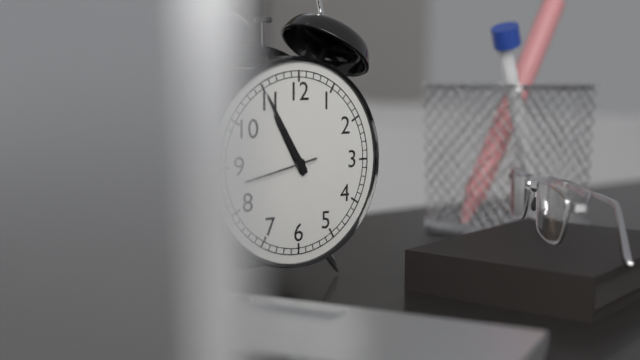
10:55
